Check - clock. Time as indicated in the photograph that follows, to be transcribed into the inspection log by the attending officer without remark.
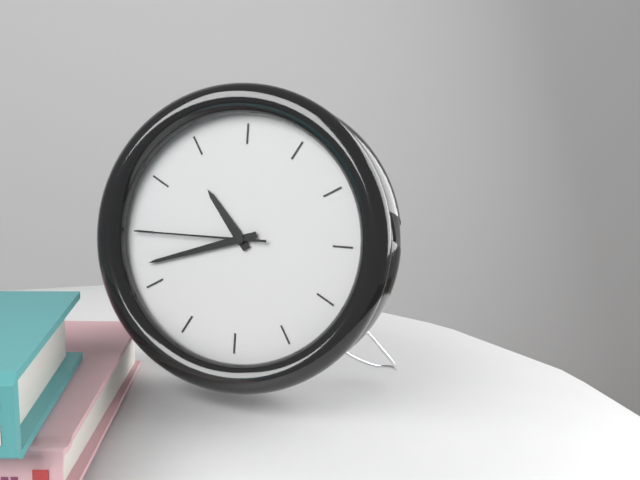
10:42:45
